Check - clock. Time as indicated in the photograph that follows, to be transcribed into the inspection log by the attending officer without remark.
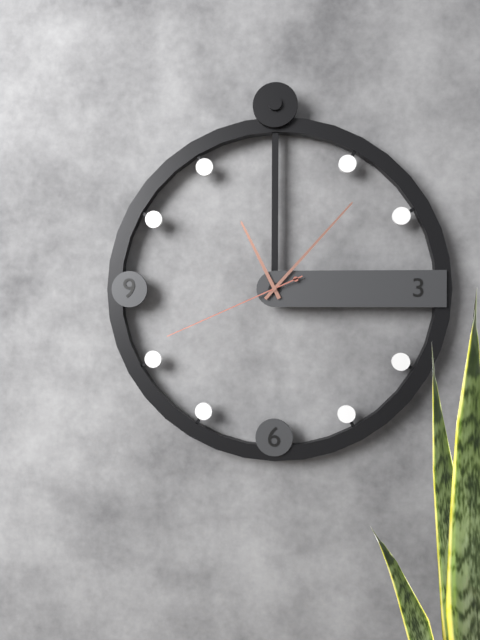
11:07:41
